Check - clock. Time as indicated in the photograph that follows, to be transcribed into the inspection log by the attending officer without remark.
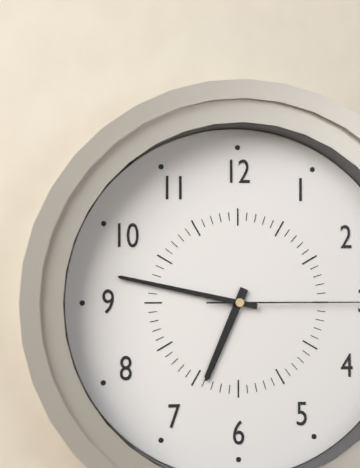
6:47
